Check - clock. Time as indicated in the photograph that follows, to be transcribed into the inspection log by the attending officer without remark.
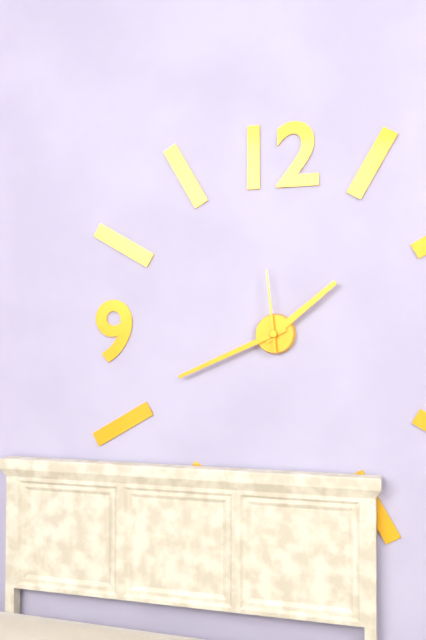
1:41:59
